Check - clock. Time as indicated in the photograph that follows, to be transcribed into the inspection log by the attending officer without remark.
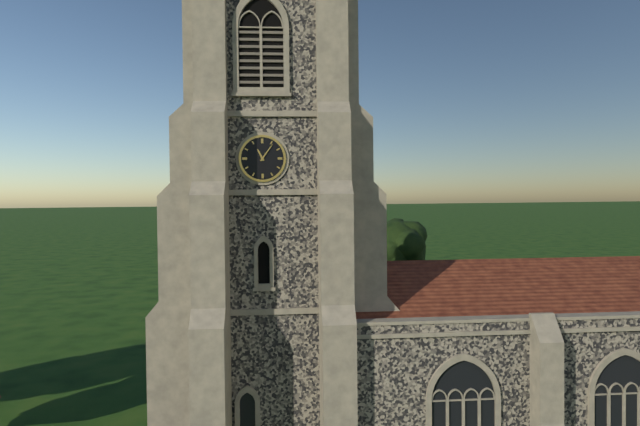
11:06
